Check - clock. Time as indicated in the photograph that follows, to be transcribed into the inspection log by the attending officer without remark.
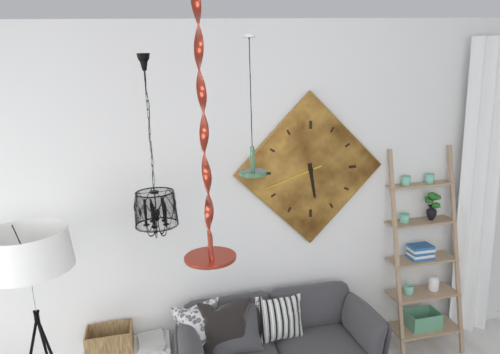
5:42
